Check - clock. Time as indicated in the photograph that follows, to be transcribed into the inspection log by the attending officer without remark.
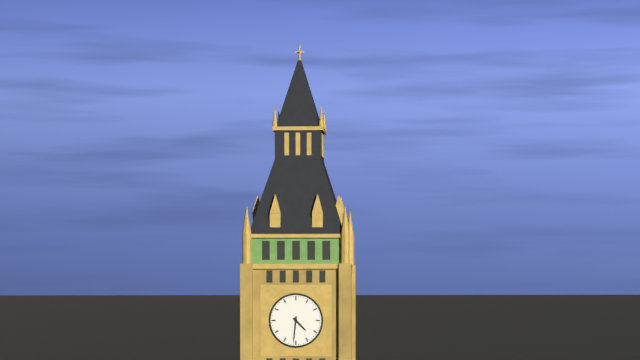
4:31
